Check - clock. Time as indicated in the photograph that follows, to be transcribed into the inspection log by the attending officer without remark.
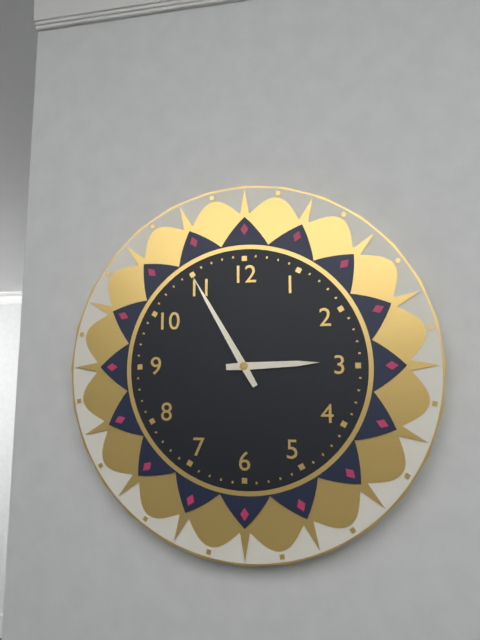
2:55
